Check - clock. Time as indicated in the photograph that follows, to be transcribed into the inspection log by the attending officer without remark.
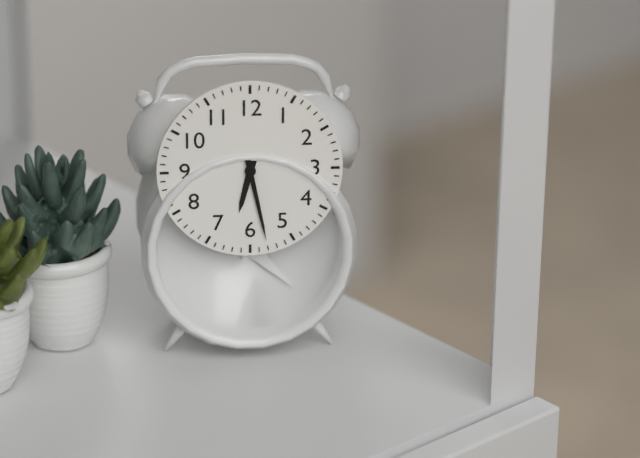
6:28
